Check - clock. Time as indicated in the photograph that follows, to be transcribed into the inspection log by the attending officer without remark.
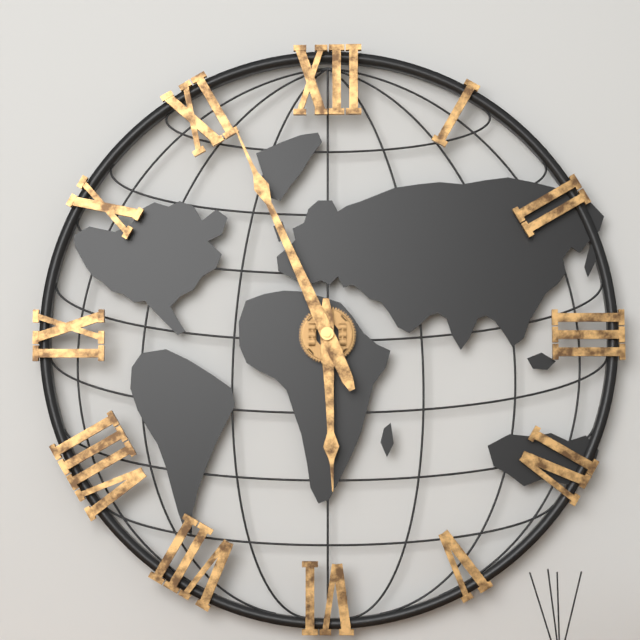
5:56
